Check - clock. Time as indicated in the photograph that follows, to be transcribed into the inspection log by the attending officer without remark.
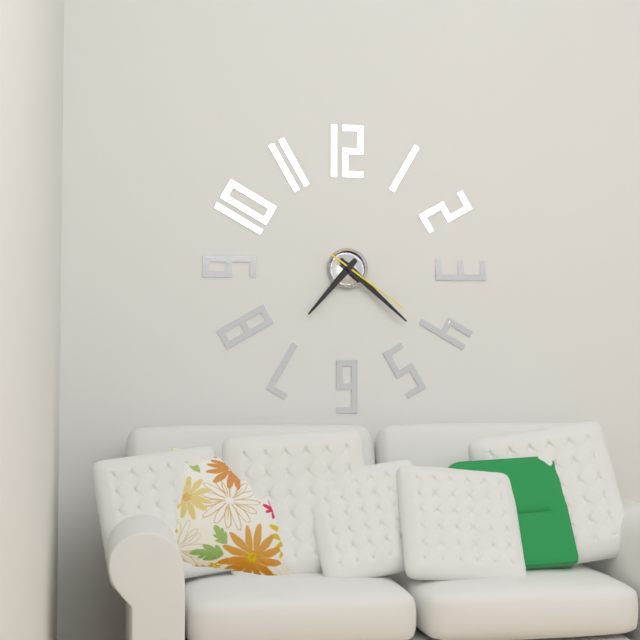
7:22:21
